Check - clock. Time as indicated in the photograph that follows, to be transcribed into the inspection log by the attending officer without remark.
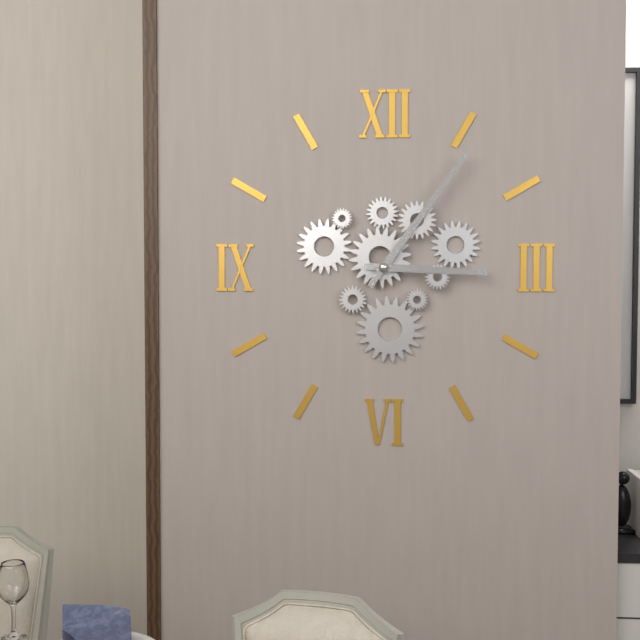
3:06
